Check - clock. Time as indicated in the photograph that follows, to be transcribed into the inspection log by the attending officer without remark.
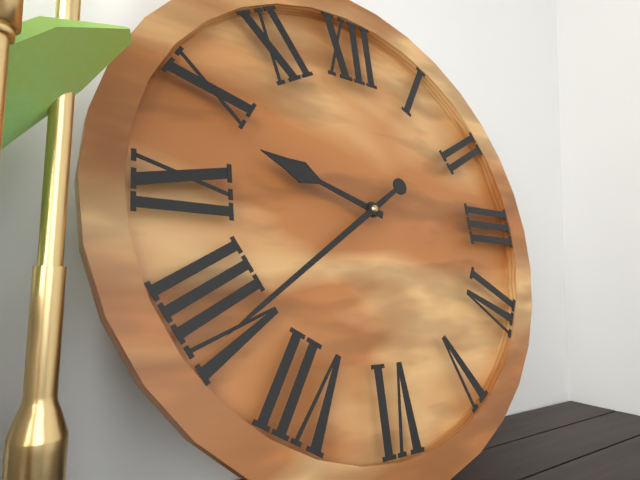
9:39
